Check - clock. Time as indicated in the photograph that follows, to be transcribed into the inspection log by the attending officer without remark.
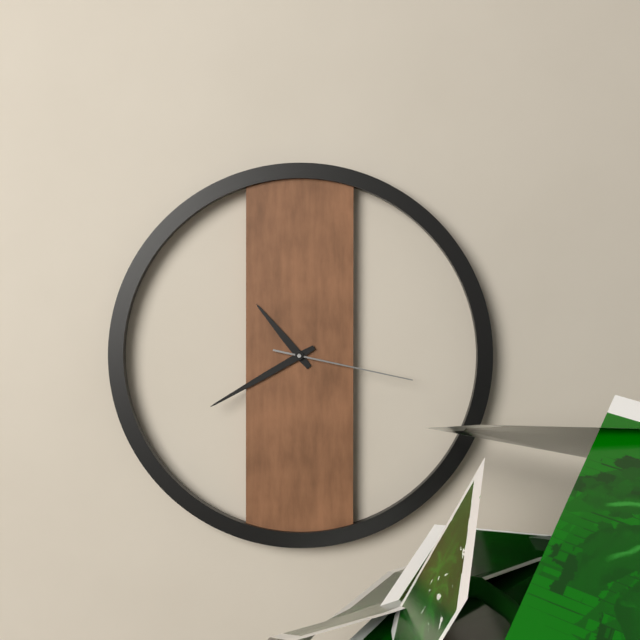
10:40:17
